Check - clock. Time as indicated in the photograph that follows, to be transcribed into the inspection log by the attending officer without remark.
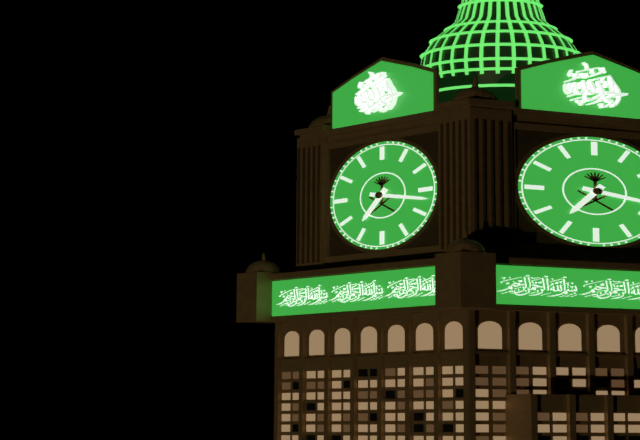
7:17
